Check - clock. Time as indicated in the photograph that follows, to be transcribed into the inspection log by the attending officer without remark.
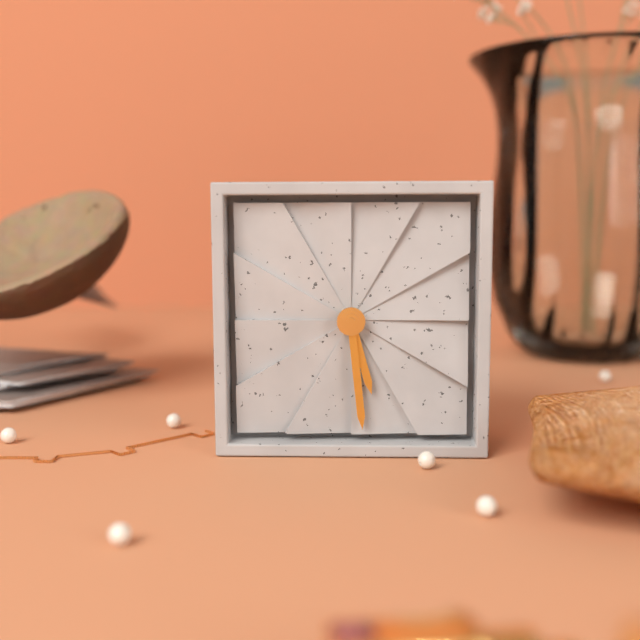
5:29
